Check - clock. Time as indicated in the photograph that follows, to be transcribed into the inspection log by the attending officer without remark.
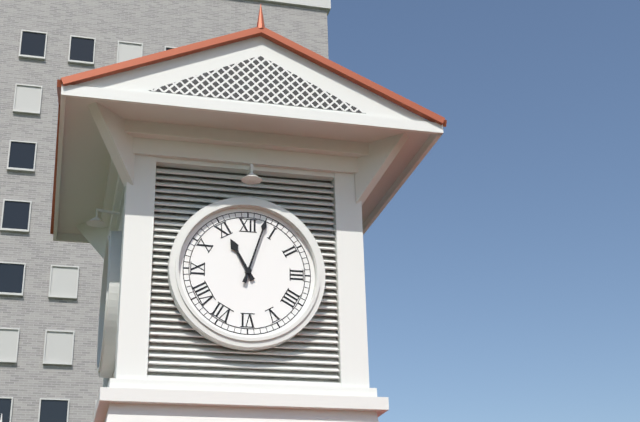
11:03
